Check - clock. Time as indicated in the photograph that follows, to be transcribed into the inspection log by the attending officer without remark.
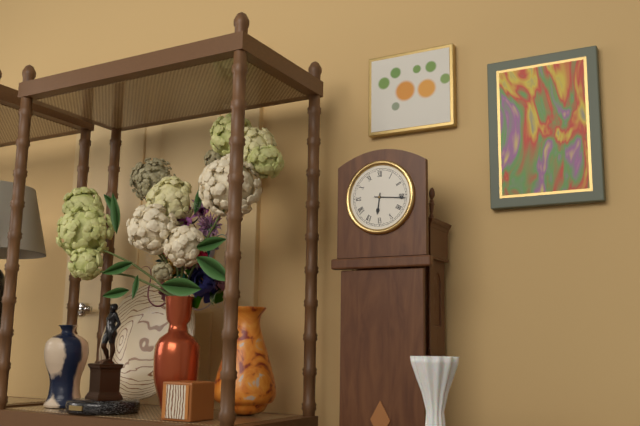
6:16
